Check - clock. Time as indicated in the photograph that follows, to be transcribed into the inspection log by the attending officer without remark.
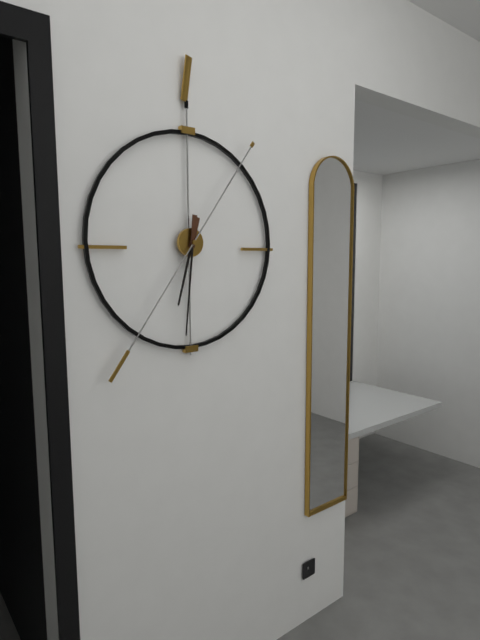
6:31:36
